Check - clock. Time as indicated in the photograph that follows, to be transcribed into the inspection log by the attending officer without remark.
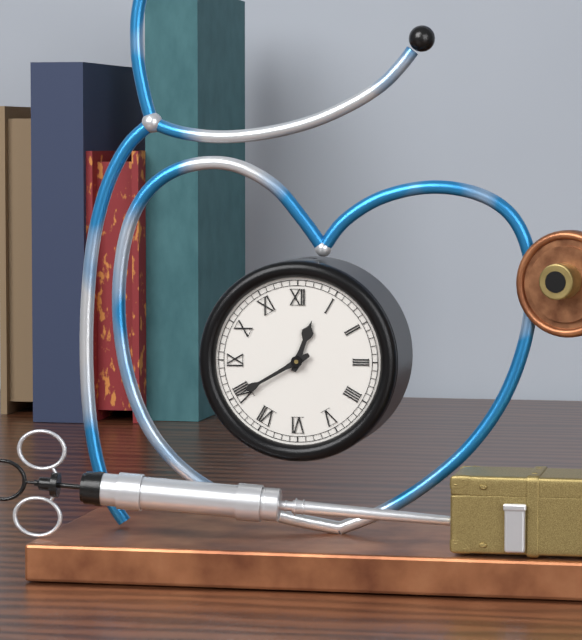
12:40
